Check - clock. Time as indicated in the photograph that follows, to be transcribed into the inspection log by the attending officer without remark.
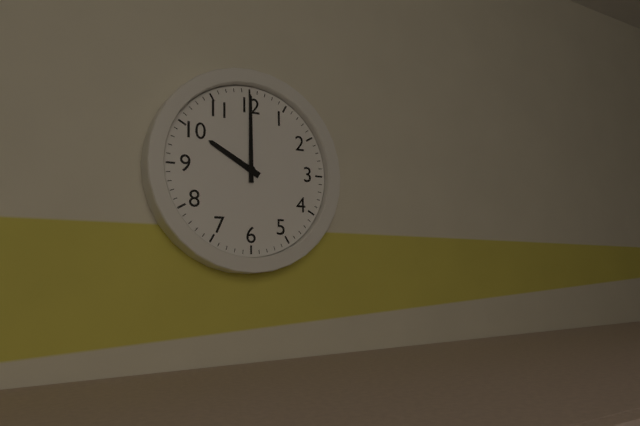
10:00
